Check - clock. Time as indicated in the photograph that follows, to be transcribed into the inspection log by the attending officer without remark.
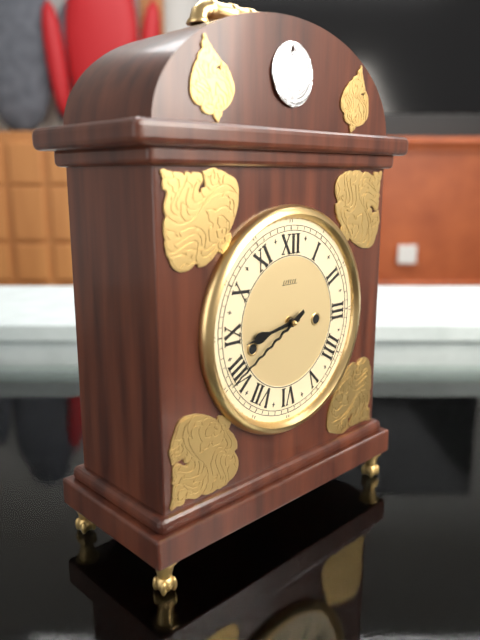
8:40
